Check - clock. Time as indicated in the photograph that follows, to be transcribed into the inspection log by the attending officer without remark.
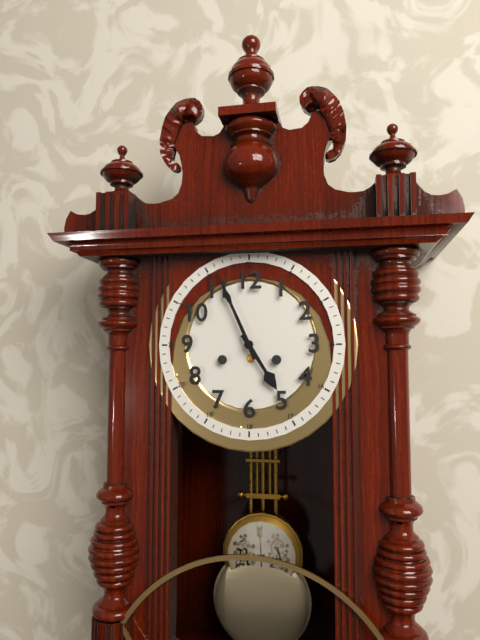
4:56
